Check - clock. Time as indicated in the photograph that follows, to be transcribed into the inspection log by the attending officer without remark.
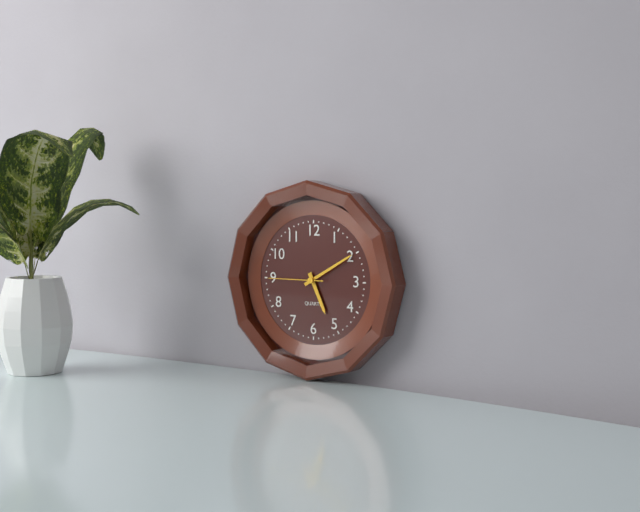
5:10:45
